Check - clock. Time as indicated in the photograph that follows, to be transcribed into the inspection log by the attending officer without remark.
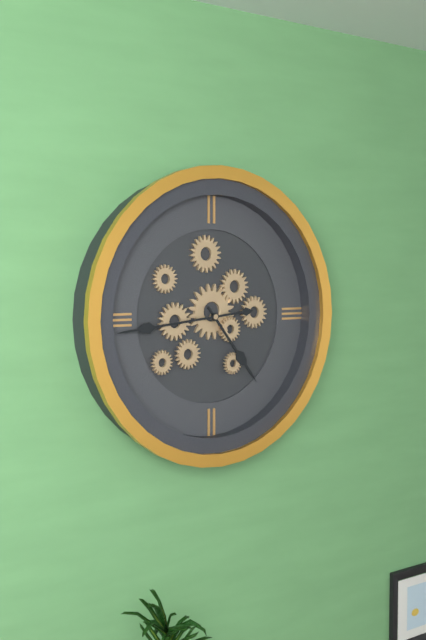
4:44
